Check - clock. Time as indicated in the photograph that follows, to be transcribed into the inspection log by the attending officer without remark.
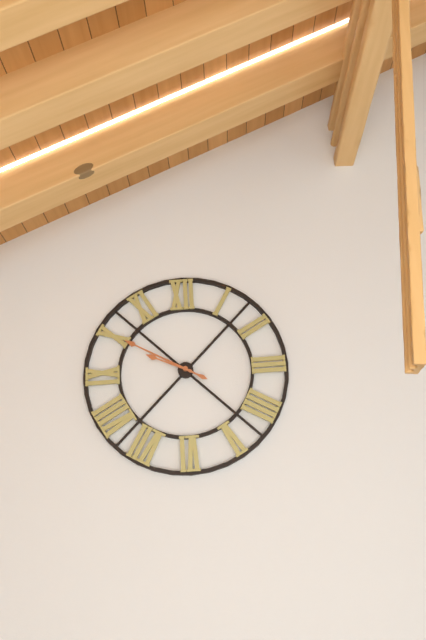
9:50
